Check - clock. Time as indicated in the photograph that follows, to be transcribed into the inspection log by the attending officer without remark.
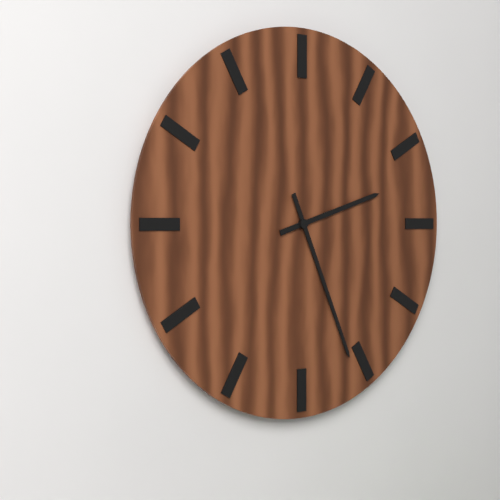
2:26
